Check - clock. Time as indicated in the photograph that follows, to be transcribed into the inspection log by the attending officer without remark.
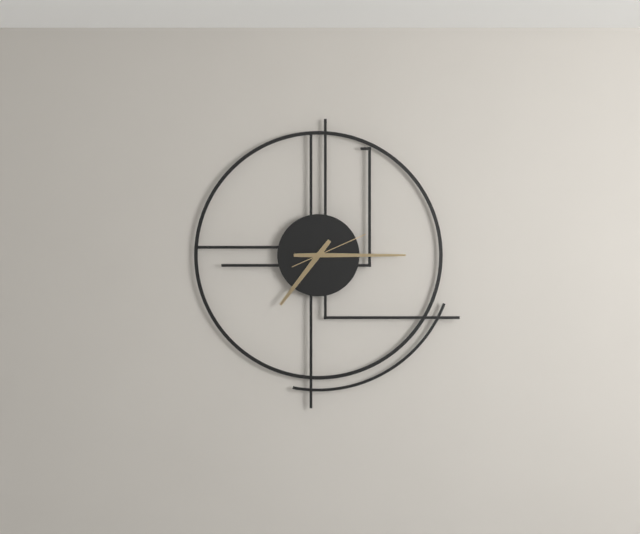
7:15:11
